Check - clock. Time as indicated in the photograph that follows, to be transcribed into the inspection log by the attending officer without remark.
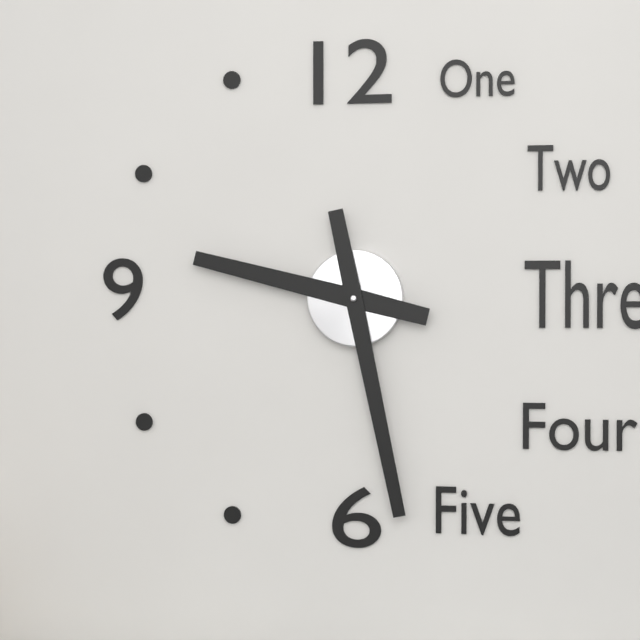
9:28
